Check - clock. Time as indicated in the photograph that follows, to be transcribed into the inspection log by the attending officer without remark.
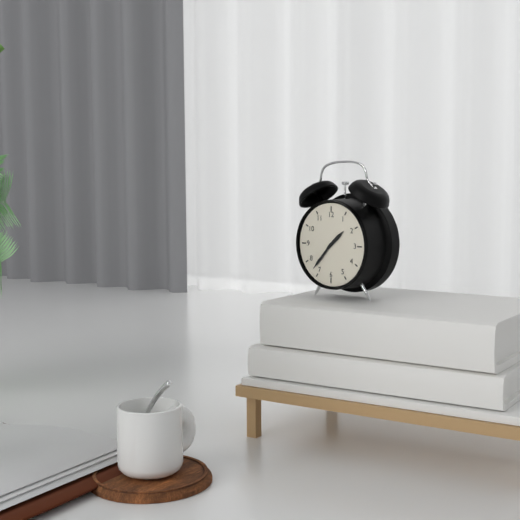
1:37
